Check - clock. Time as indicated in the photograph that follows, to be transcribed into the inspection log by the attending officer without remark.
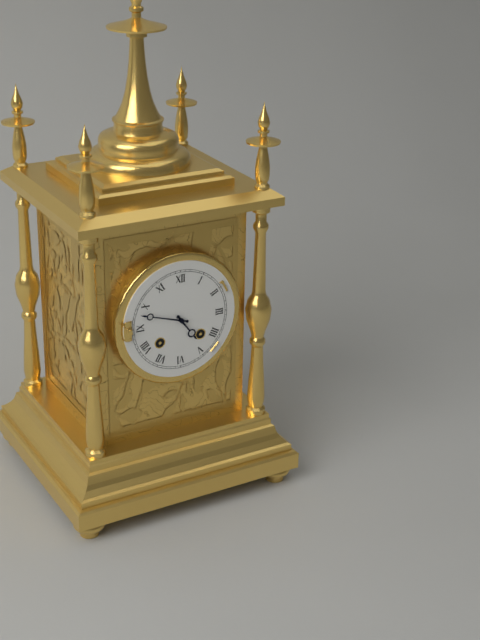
4:48
